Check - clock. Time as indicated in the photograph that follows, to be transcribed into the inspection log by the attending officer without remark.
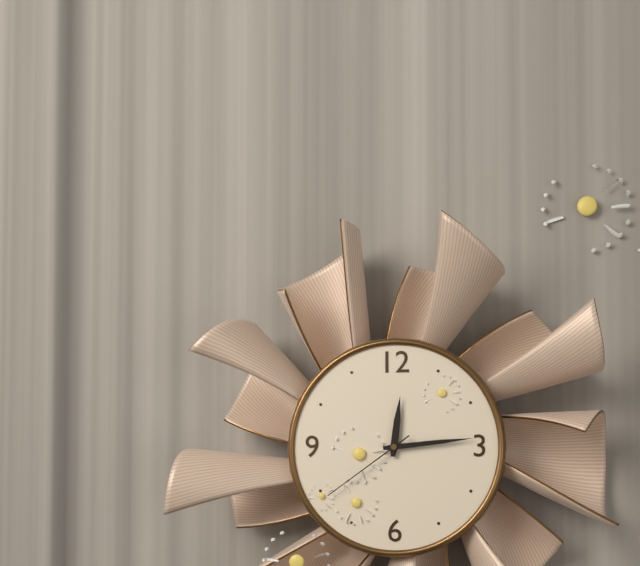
12:14:39
